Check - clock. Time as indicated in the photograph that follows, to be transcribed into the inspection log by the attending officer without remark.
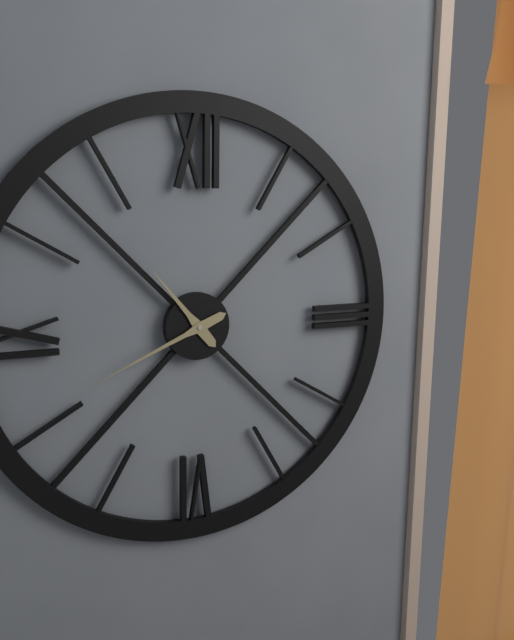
10:41
